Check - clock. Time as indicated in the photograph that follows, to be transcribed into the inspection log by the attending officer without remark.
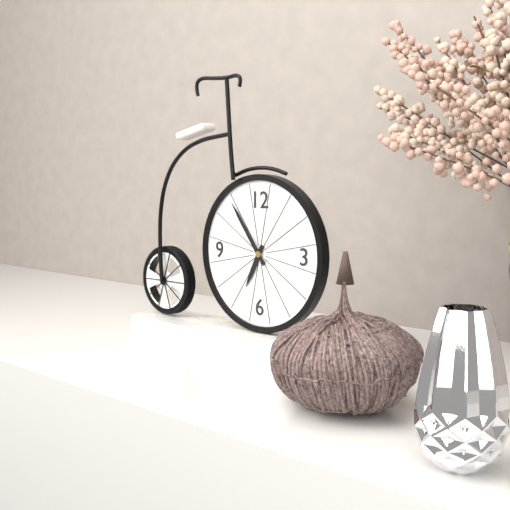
6:54
